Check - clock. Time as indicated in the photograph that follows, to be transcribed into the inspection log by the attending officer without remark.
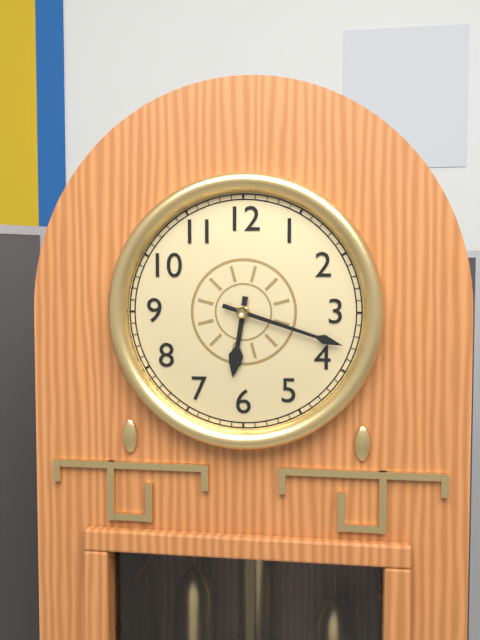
6:18
